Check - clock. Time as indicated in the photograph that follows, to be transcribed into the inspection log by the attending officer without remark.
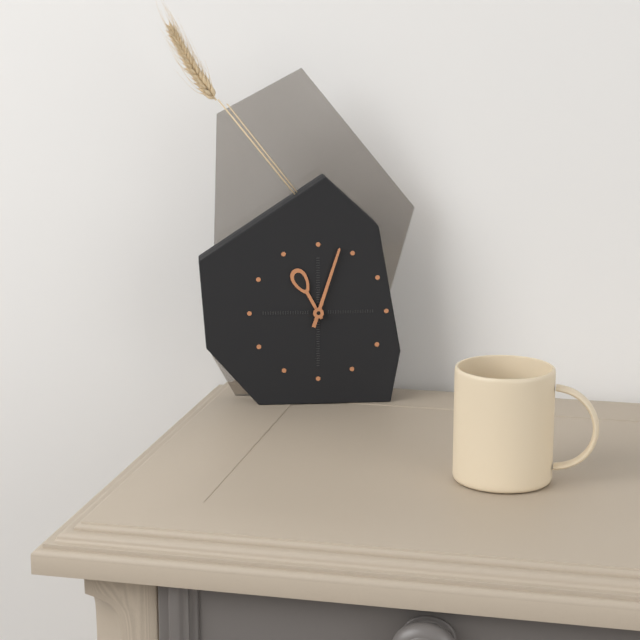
11:03
